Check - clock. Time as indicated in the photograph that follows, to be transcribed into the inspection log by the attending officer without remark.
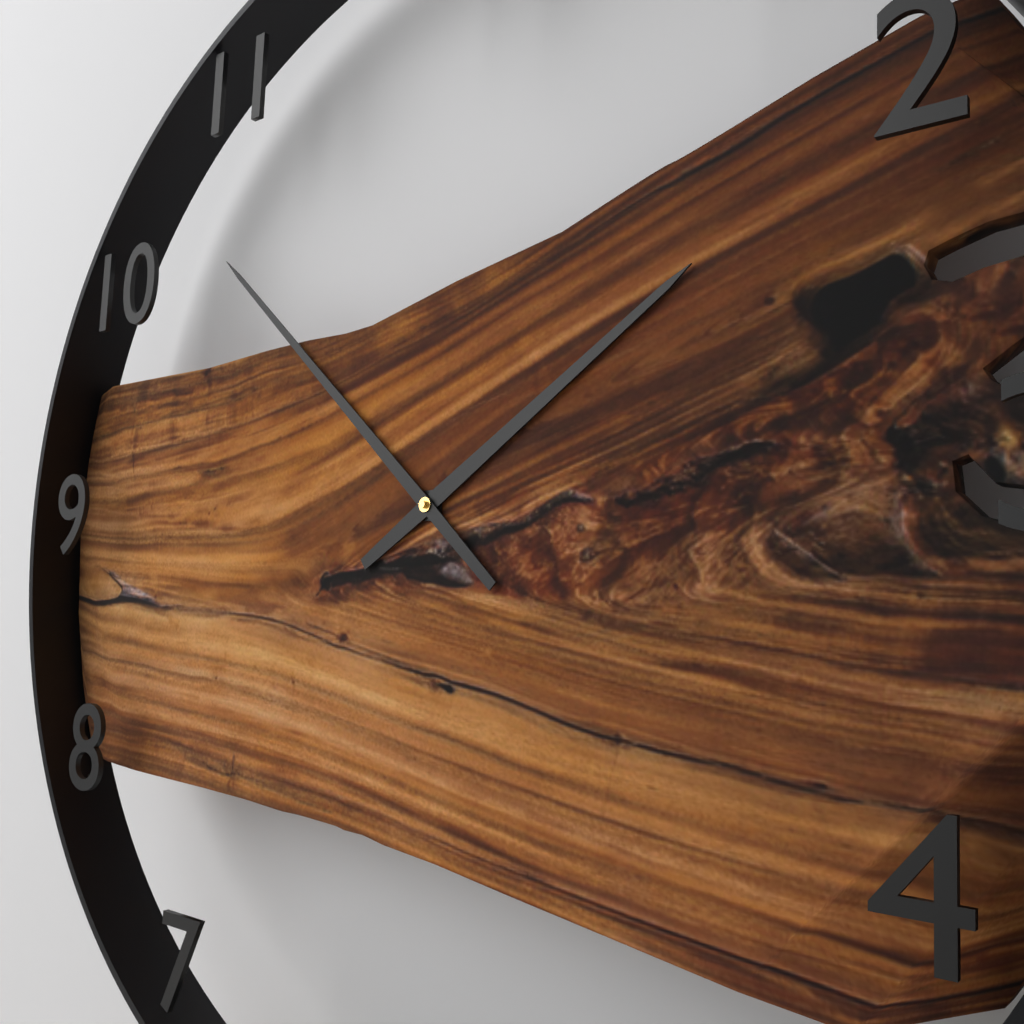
1:52
